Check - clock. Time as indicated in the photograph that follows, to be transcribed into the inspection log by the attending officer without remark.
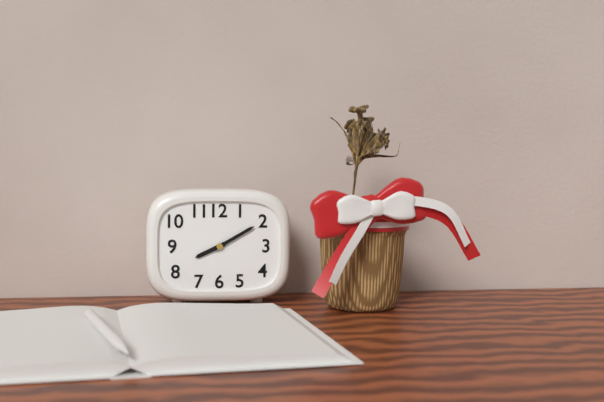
8:10
